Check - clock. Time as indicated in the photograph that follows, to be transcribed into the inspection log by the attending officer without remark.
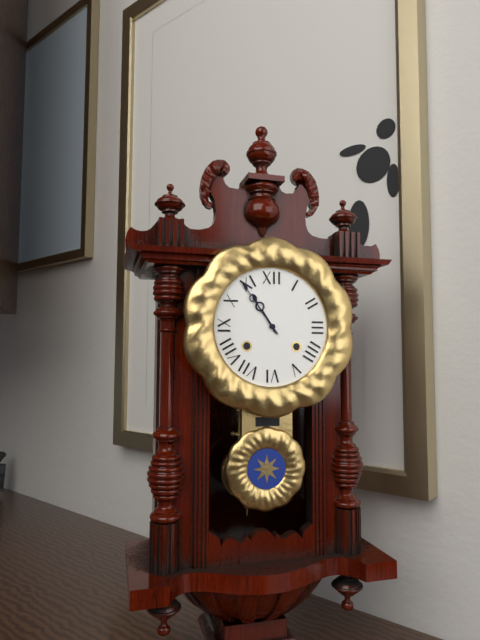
10:54
